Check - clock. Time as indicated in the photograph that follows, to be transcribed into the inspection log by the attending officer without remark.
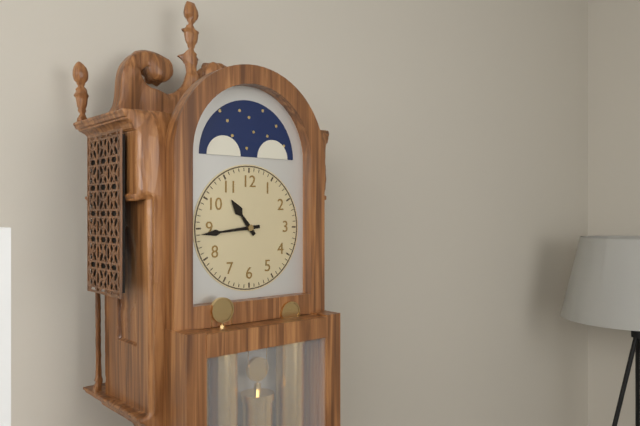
10:44
